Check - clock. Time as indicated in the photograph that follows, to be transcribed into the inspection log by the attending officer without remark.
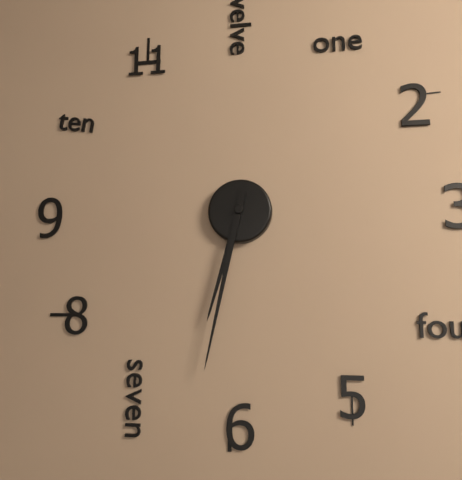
6:32
